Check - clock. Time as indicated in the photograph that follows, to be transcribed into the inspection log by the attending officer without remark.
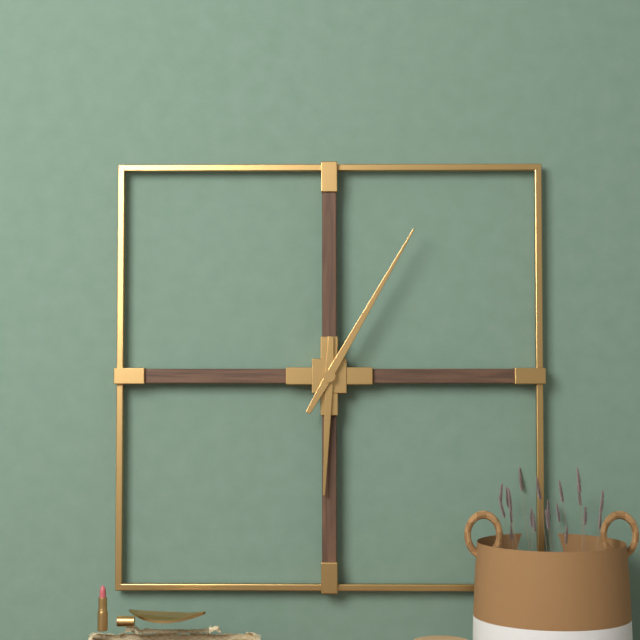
6:05
